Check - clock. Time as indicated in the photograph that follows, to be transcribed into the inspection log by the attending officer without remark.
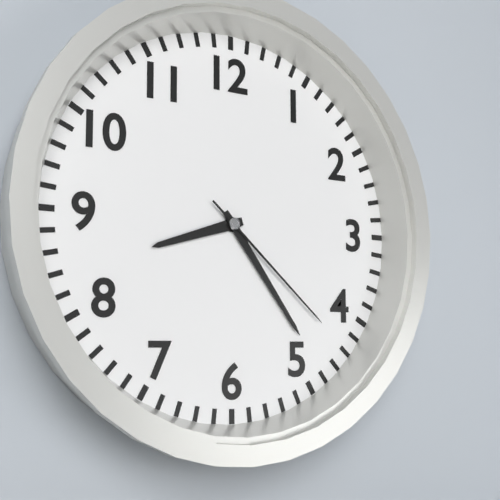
8:24:22
